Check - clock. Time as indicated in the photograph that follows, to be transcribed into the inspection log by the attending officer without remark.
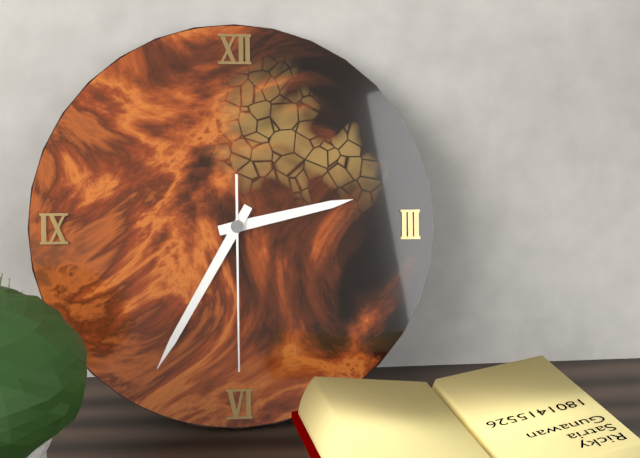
2:35:30
